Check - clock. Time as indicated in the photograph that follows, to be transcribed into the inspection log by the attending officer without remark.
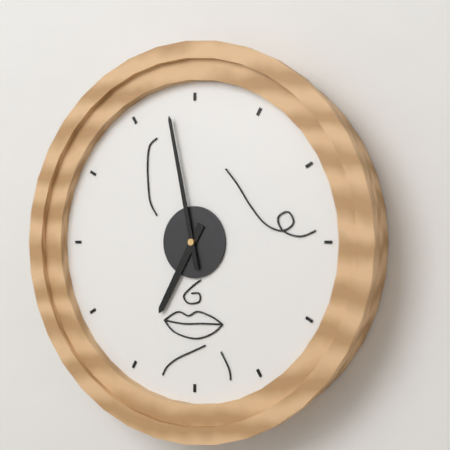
6:58
